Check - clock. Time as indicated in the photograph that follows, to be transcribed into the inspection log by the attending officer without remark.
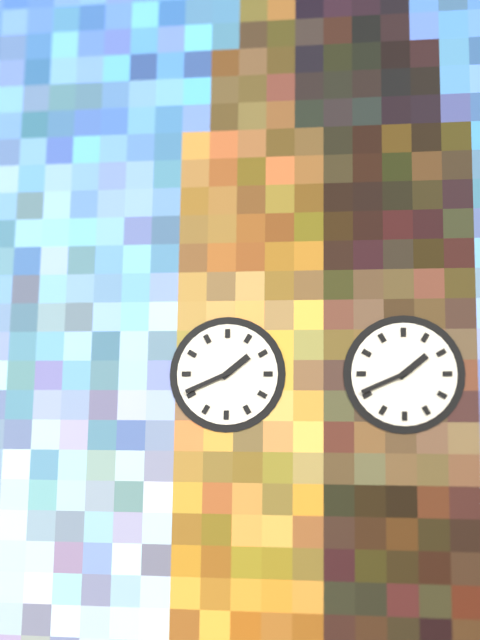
1:41
